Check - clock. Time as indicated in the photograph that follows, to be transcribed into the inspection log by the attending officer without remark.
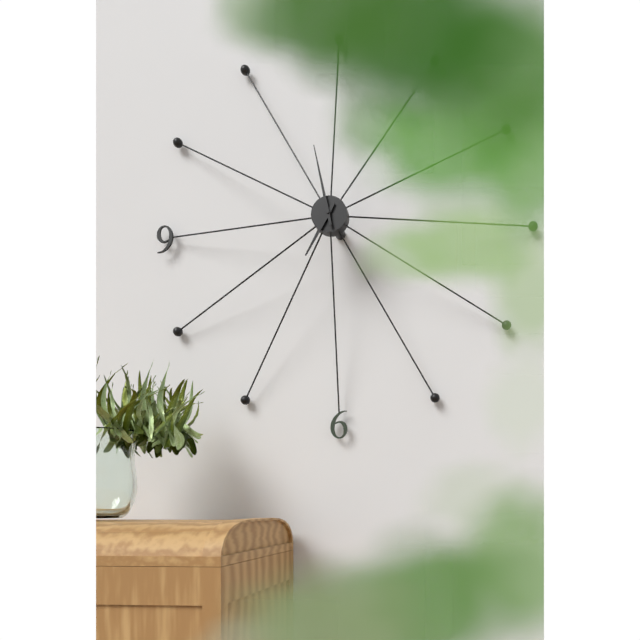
6:58
